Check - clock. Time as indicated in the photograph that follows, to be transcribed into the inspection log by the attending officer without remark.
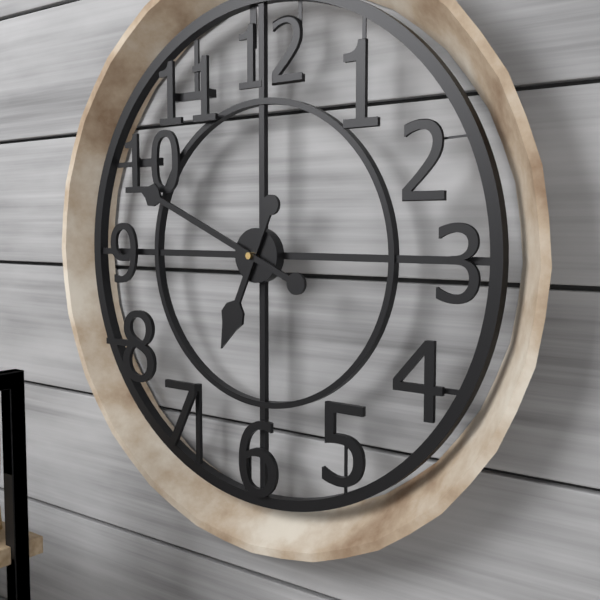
6:49
